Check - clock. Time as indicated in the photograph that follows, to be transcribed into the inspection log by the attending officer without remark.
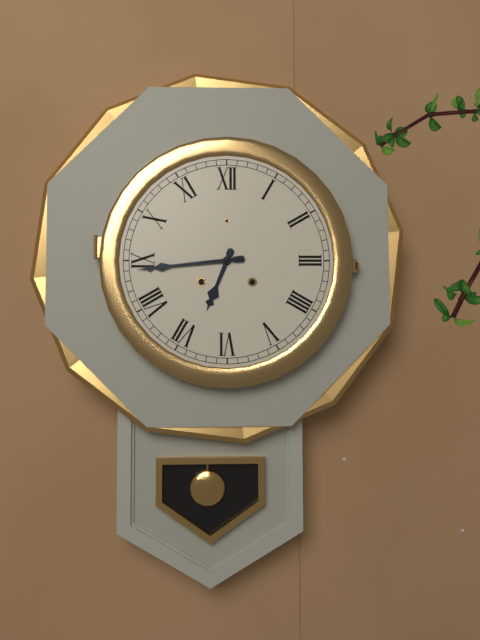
6:44
